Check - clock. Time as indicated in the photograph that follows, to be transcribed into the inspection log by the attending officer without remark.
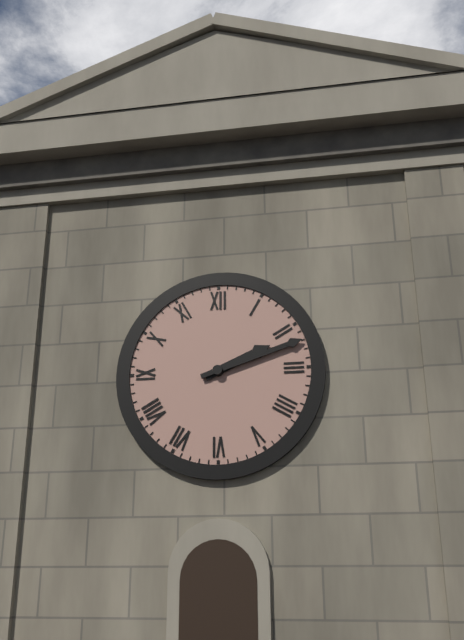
2:12
